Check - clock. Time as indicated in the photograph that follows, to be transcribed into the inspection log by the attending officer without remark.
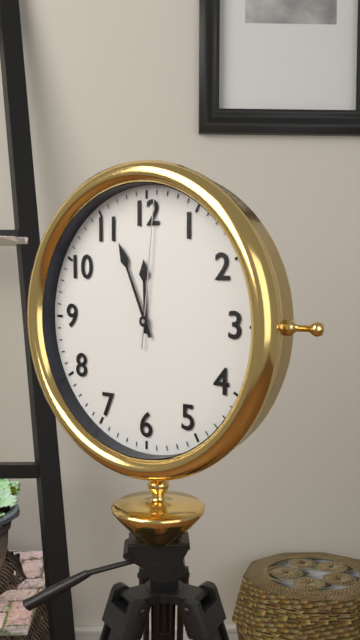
11:56:01
